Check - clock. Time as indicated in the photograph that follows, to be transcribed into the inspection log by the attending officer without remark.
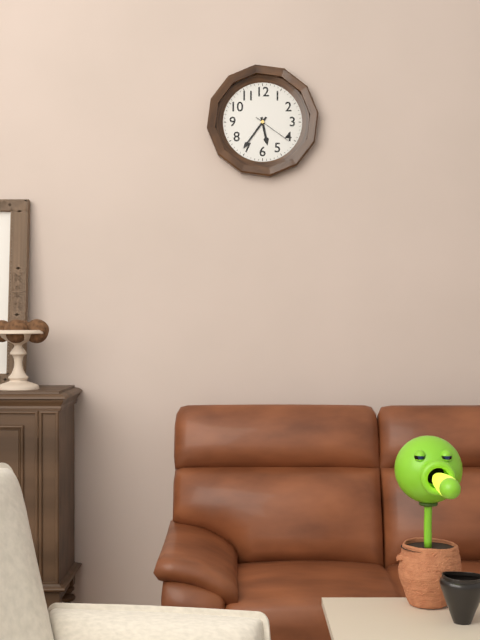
5:36
